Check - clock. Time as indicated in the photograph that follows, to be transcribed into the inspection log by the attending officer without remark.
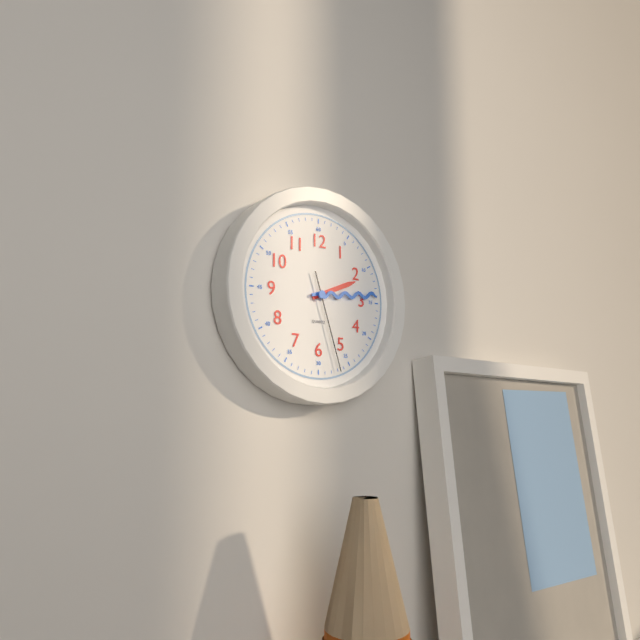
2:14:27
